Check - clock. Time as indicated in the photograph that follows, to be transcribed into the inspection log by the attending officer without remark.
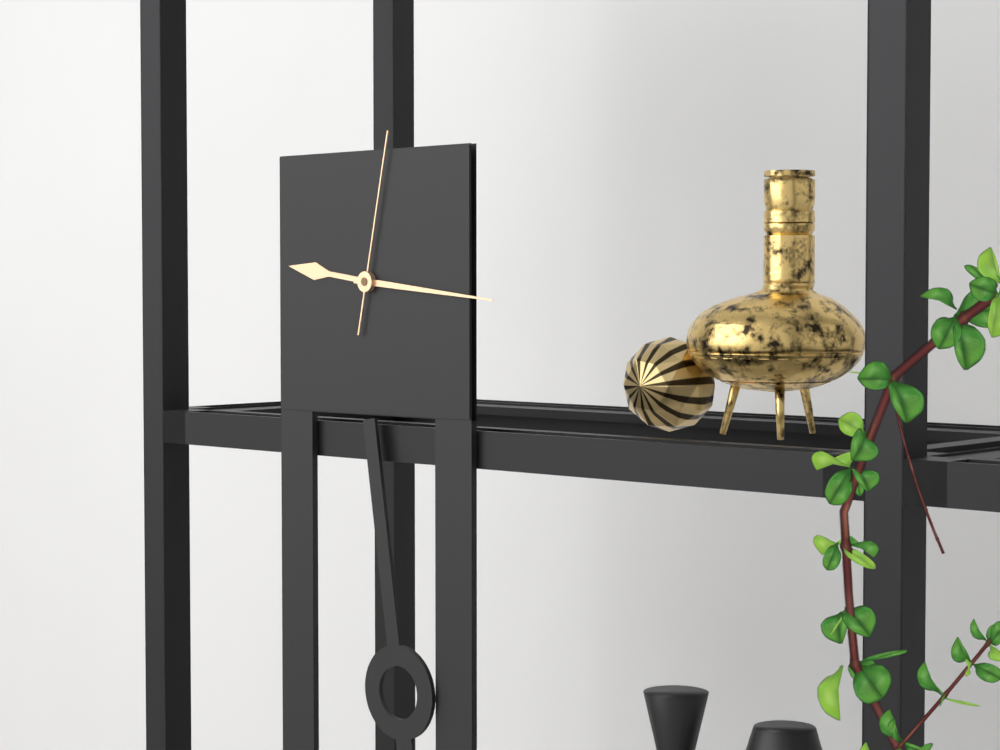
9:16:02
